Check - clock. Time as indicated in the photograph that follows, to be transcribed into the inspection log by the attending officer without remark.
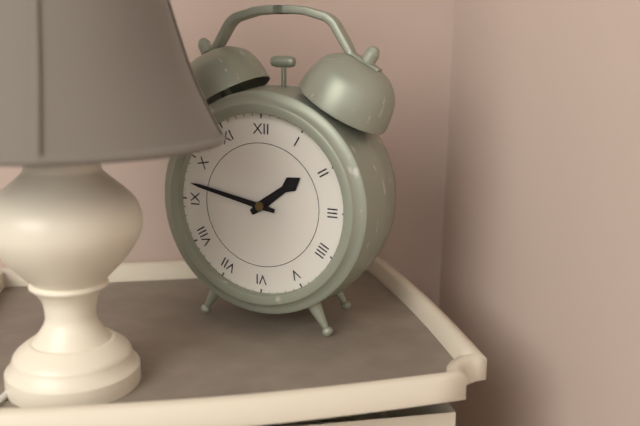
1:47
